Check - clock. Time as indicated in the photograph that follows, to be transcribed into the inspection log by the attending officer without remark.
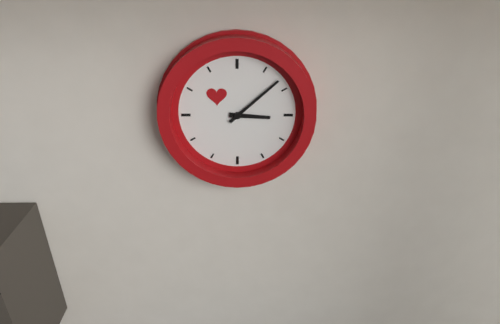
3:08
